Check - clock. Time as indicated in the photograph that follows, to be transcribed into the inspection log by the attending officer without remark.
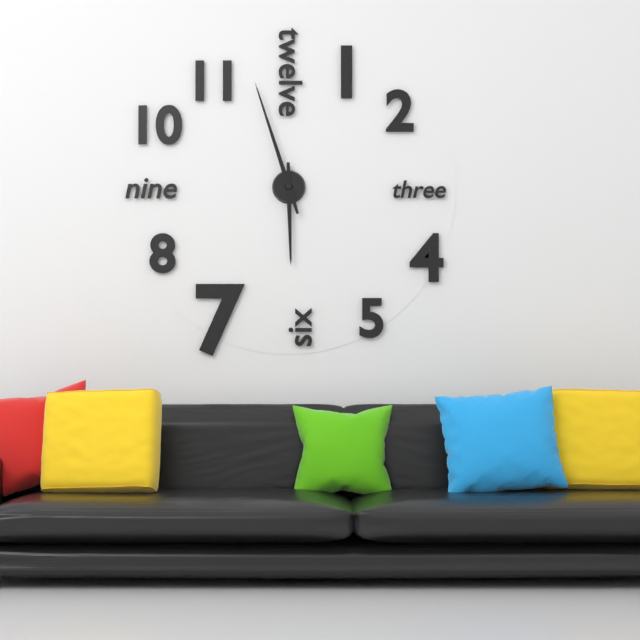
5:57
